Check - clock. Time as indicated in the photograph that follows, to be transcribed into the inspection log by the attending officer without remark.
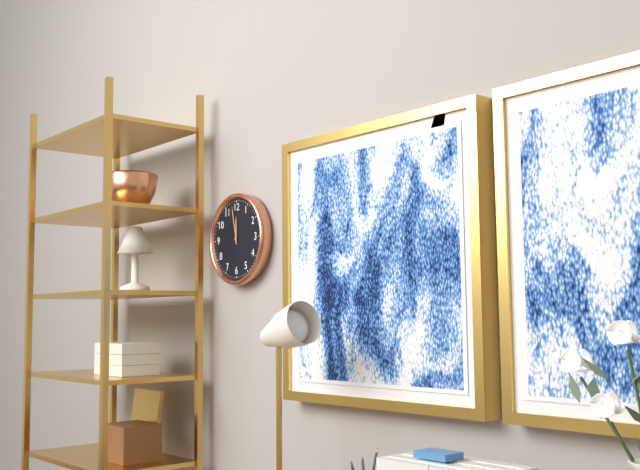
11:58
